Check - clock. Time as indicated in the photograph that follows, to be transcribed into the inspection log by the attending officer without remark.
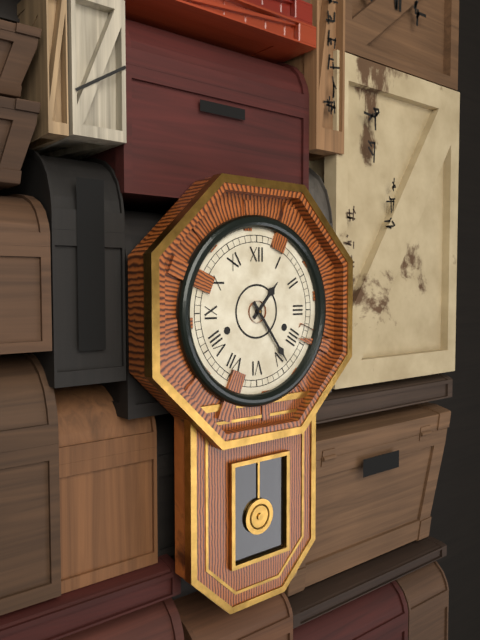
1:24
